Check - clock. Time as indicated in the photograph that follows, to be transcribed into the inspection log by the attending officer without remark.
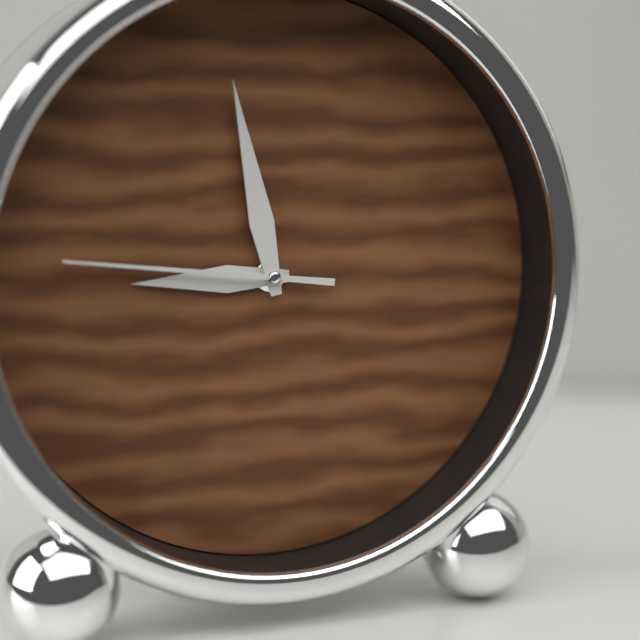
8:58:46
